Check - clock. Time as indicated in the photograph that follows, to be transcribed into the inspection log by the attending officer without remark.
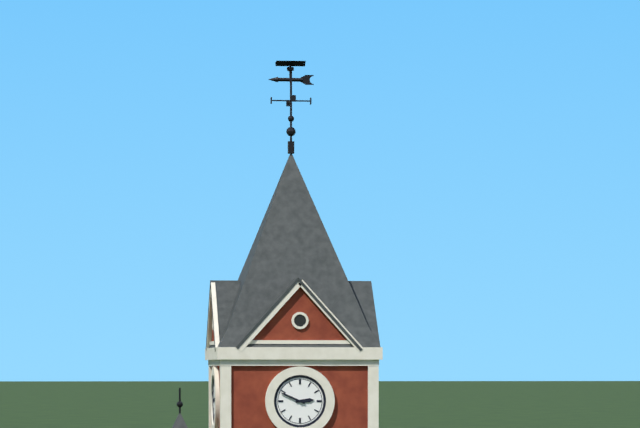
2:49
